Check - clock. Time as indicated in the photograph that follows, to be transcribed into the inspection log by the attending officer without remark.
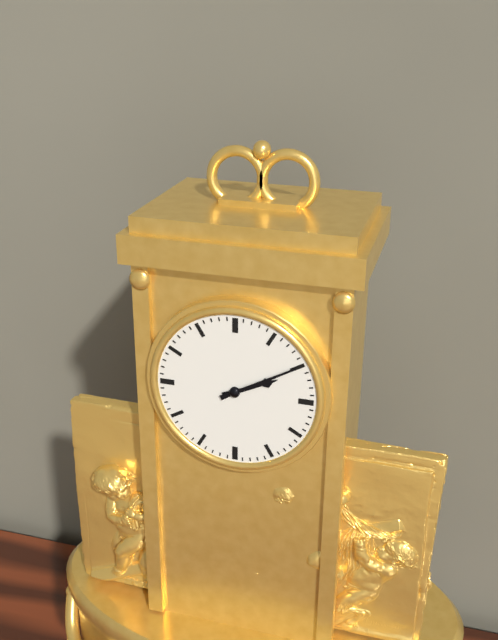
2:10
